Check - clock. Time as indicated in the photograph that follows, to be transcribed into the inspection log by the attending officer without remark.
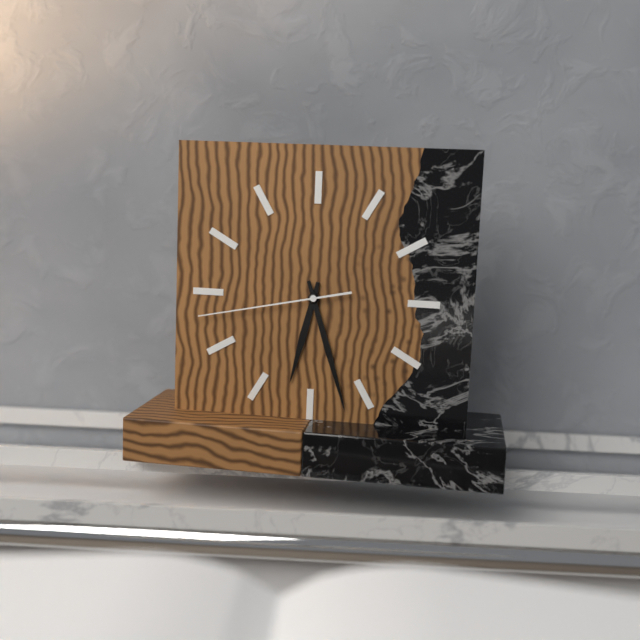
6:27:43
